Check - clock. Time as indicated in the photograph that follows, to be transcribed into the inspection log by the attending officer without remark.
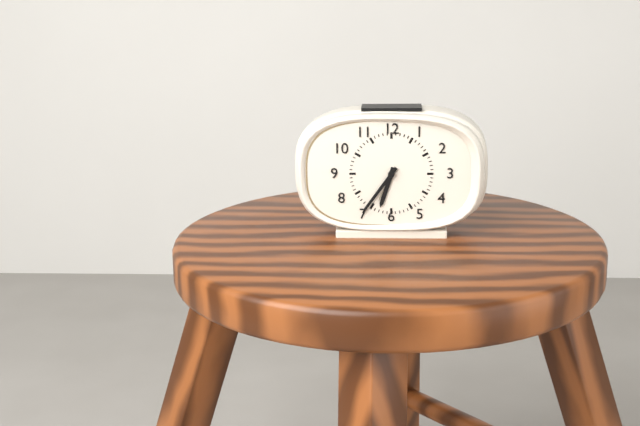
6:36
